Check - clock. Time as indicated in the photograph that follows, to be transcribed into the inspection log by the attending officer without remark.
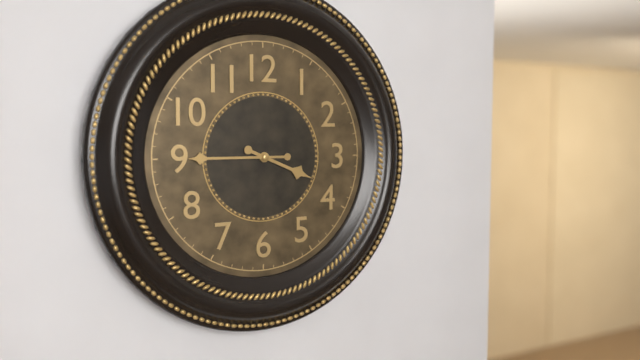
3:45
